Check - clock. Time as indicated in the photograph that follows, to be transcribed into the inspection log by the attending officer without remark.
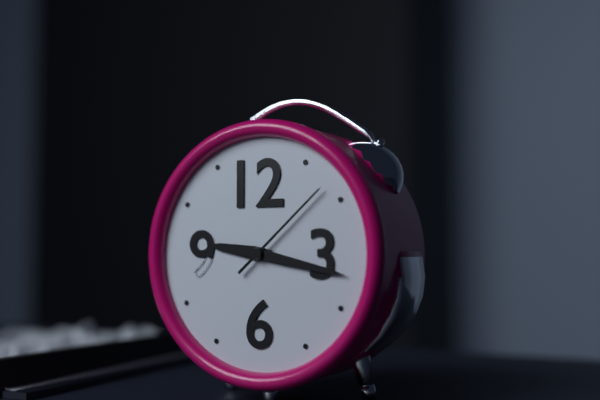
9:17:08
